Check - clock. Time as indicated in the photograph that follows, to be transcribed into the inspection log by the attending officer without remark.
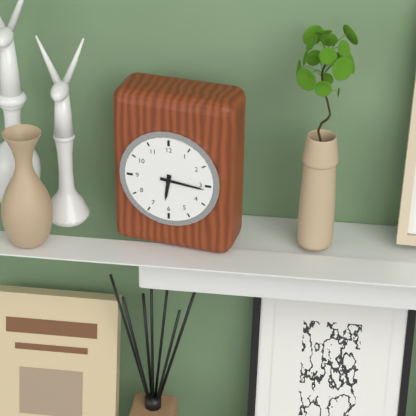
6:16
